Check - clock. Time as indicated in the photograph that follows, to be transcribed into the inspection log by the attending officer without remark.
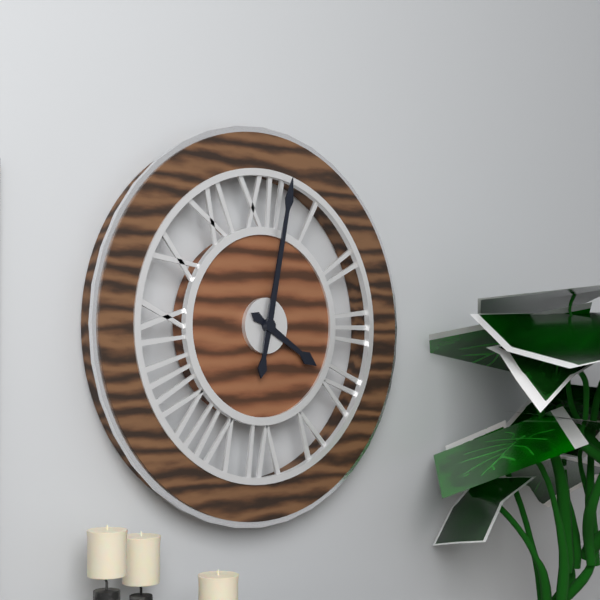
4:02
